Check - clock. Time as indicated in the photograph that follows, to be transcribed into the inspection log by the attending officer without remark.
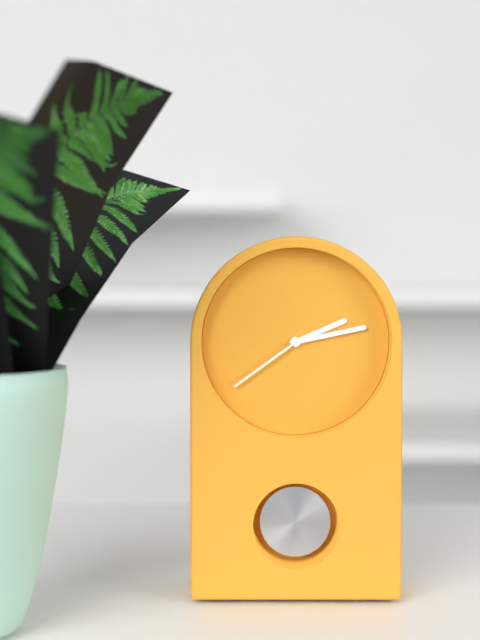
2:13:39
